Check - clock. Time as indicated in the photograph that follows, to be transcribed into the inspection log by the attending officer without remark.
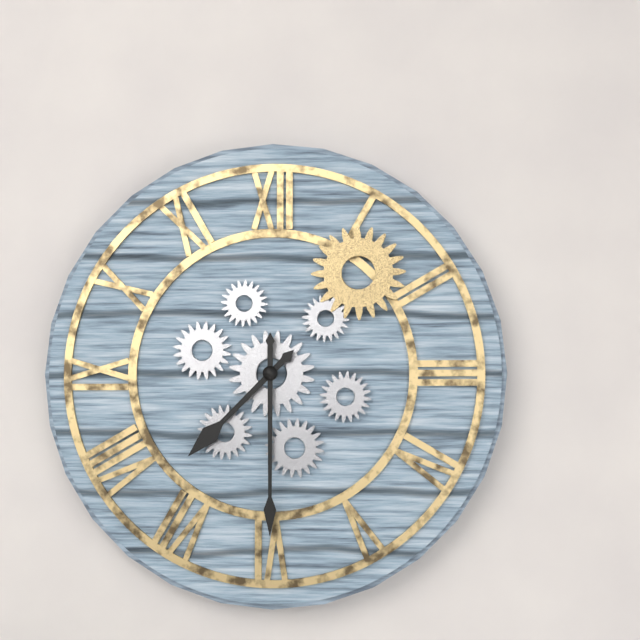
7:30
